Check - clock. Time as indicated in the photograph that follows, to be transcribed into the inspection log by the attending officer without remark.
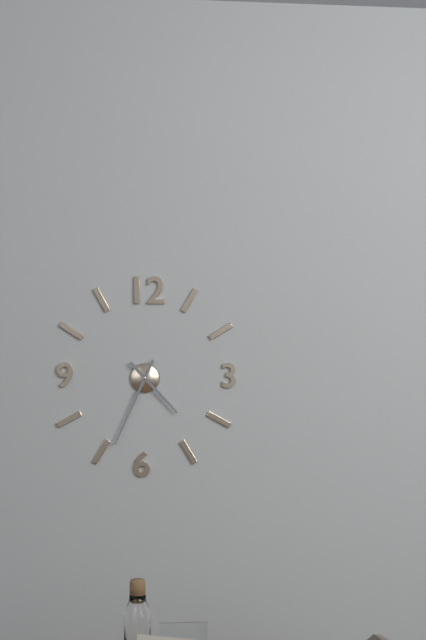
4:34
